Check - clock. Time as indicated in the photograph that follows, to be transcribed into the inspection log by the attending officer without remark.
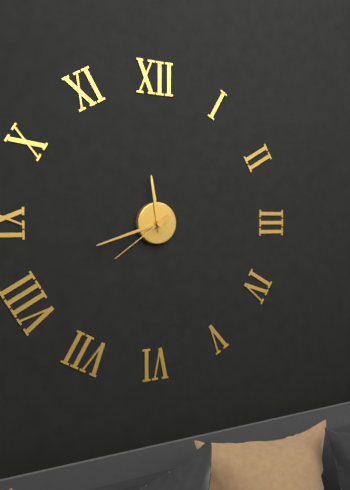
11:42:39
